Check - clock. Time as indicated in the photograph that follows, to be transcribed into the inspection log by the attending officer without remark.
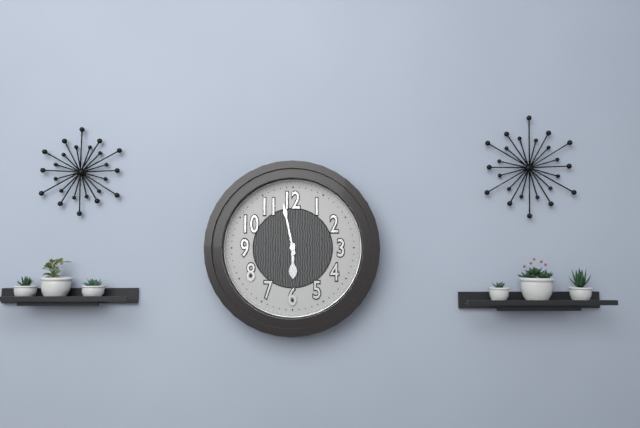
5:58
